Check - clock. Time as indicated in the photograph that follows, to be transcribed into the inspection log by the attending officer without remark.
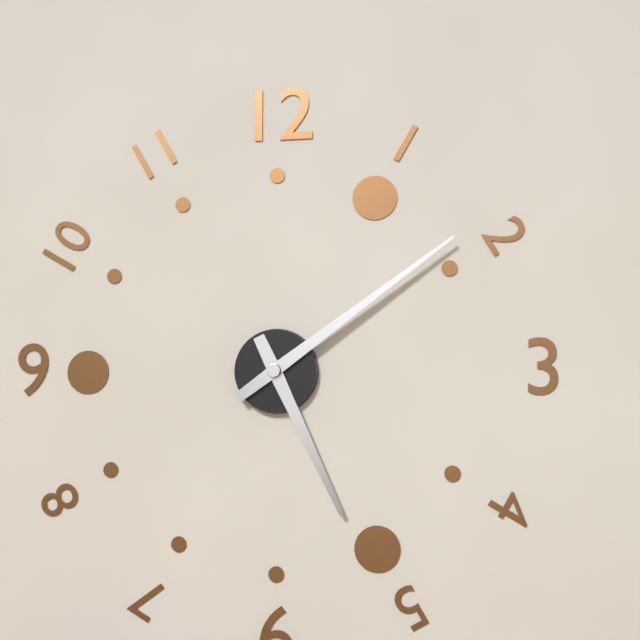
5:09
